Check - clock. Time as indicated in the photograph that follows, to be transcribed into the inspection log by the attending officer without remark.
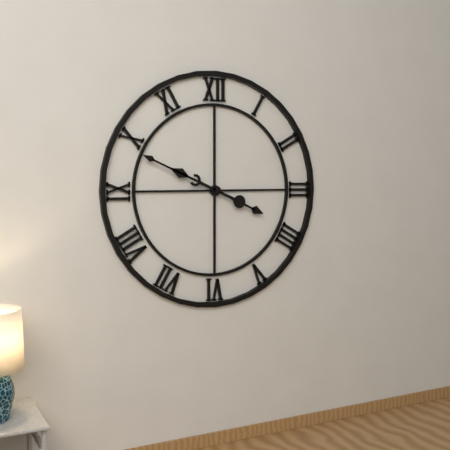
3:49
